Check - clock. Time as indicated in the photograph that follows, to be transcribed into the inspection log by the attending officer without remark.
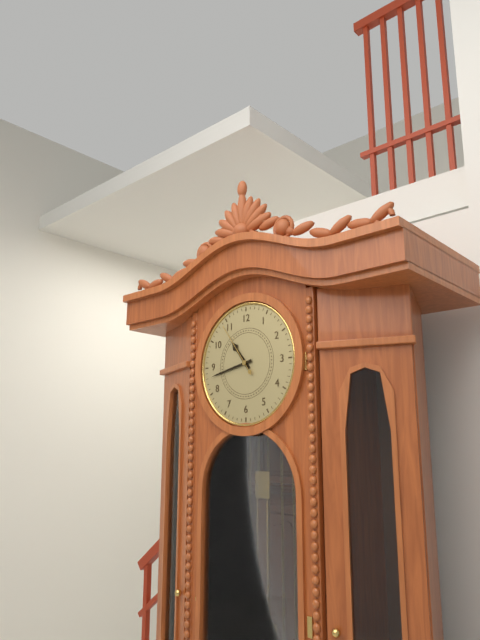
10:43:54
